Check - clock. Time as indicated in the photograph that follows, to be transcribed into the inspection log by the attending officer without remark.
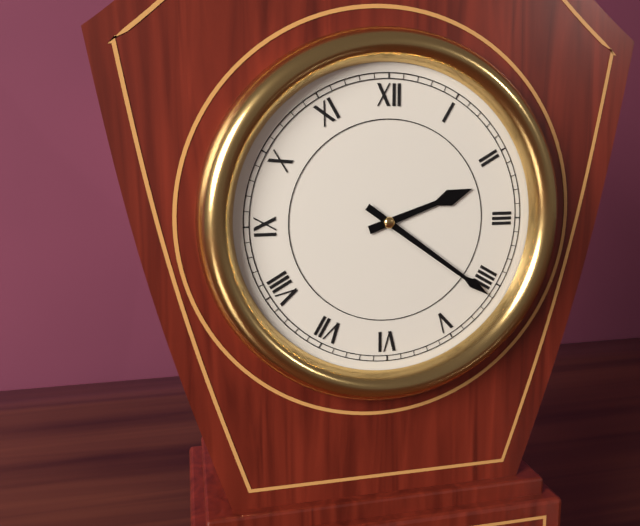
2:21
